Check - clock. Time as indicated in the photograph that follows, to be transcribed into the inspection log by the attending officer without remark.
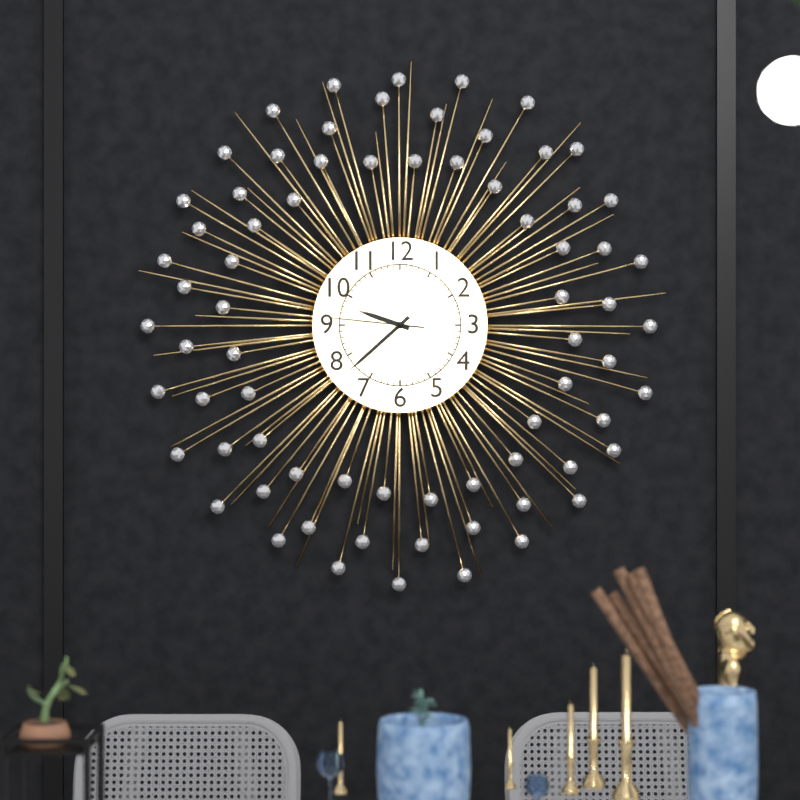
9:38:46
